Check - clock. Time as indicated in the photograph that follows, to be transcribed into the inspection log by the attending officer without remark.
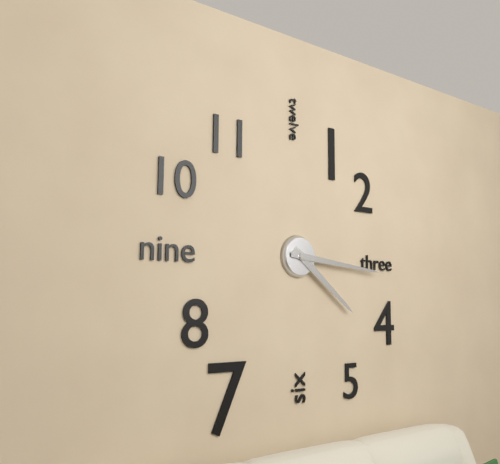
4:16
